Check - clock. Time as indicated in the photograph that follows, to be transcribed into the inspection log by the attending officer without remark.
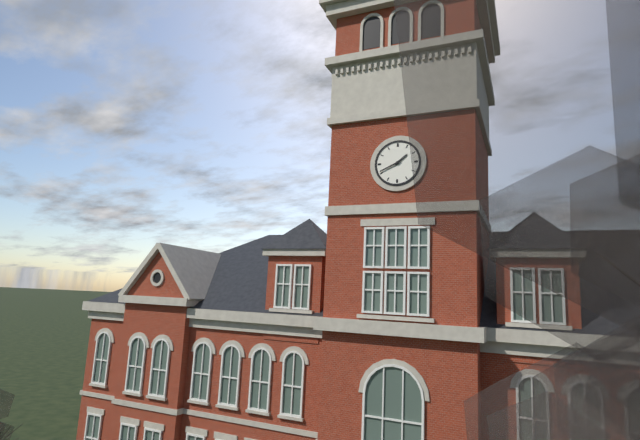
1:41
